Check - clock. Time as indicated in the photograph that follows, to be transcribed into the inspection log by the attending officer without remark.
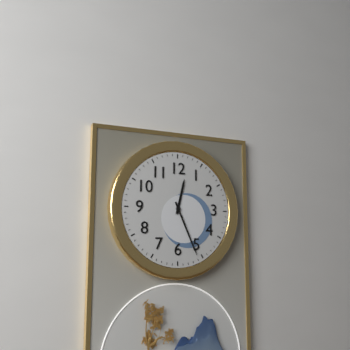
12:26
